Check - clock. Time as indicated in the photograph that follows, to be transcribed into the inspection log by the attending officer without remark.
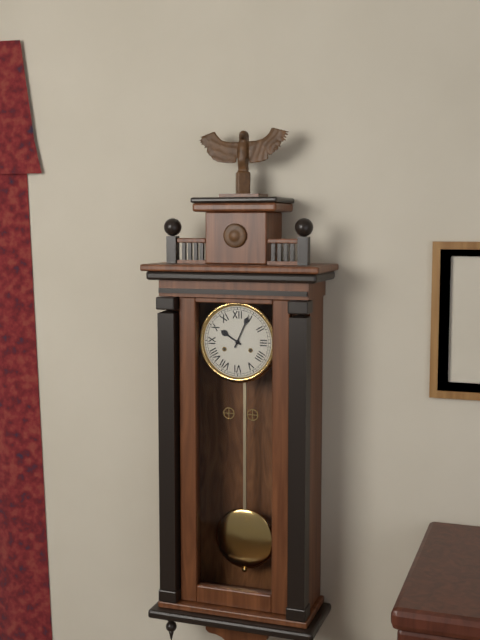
10:04
